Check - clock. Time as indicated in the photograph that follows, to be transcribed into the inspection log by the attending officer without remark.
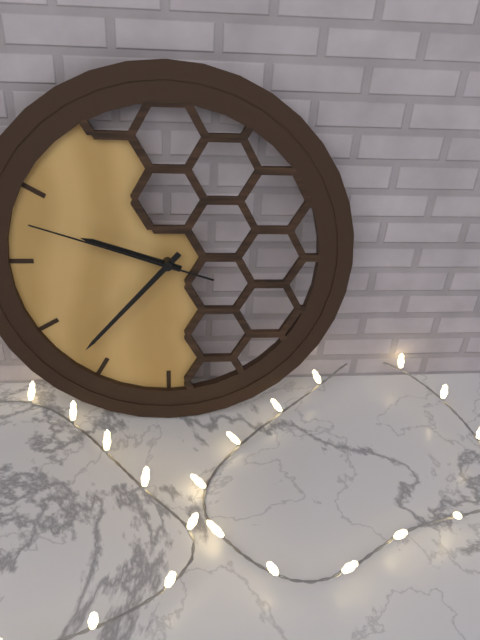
9:37:48
